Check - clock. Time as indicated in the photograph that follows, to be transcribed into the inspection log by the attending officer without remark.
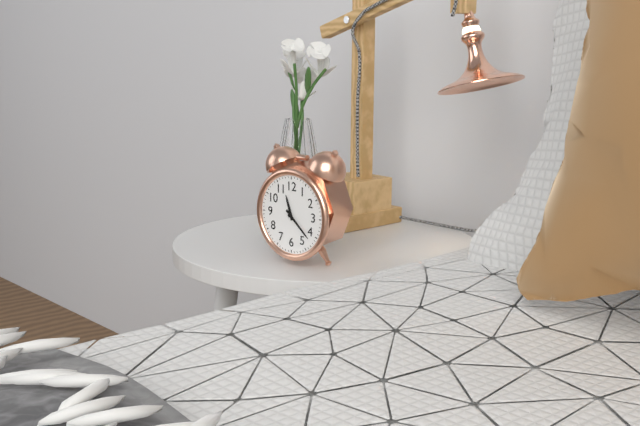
11:22
